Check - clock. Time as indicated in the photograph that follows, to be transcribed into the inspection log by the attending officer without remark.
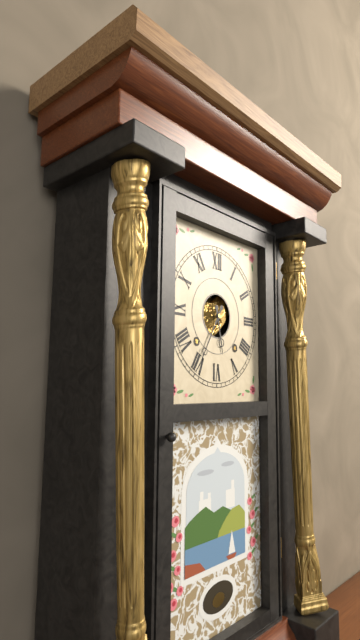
5:35
